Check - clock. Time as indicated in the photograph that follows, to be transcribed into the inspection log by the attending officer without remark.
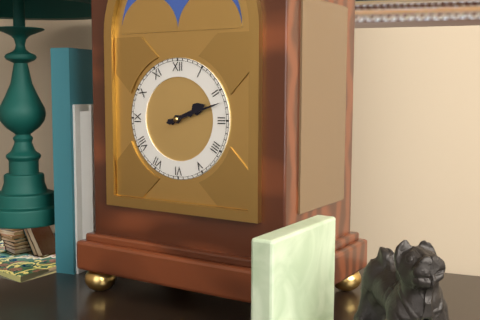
2:12
